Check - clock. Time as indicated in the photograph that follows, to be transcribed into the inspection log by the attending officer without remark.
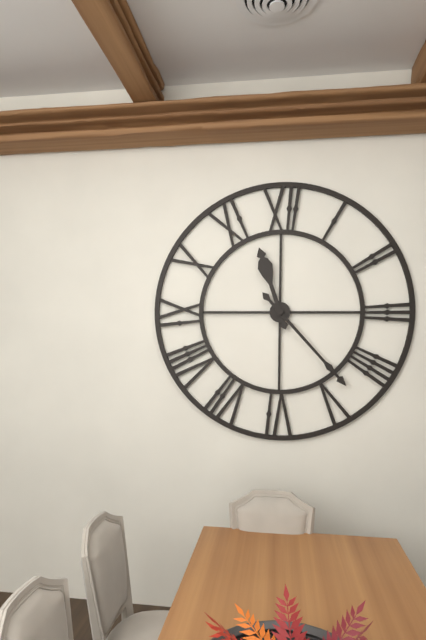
11:23
